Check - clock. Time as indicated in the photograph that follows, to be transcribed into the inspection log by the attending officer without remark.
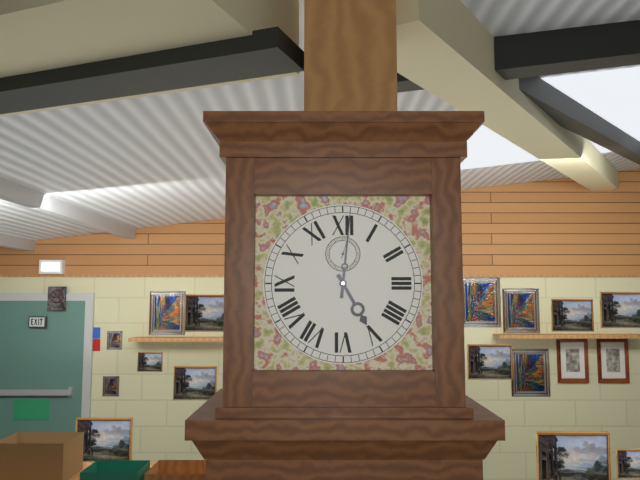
5:01
